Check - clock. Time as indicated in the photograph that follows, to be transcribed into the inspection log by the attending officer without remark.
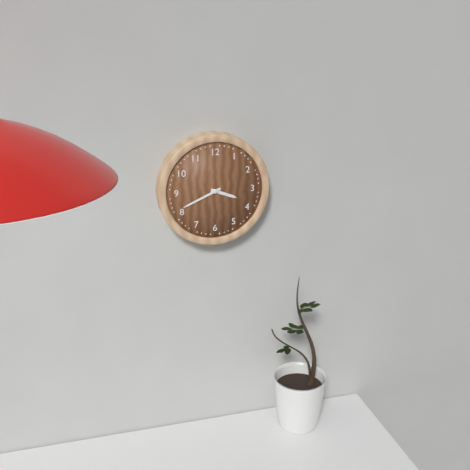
3:41
